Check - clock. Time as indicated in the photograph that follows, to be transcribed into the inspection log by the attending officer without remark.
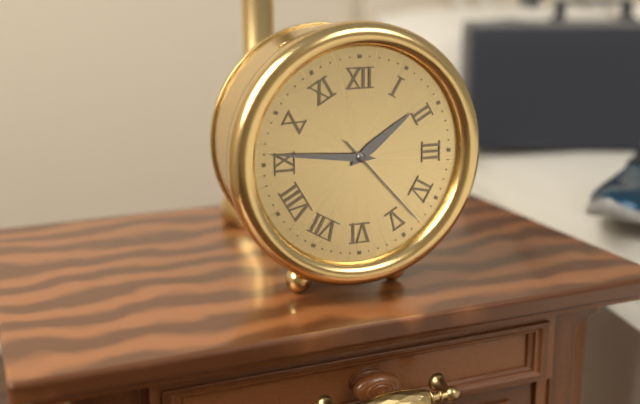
1:46:23
